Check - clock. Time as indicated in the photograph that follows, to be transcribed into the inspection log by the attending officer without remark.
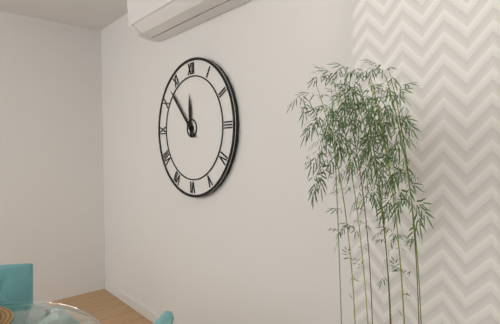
11:53
